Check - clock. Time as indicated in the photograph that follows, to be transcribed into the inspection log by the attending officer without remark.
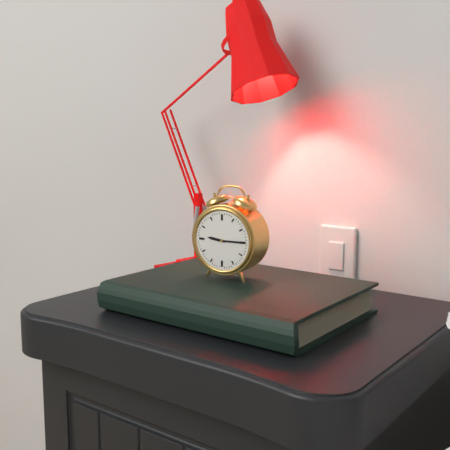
9:15
